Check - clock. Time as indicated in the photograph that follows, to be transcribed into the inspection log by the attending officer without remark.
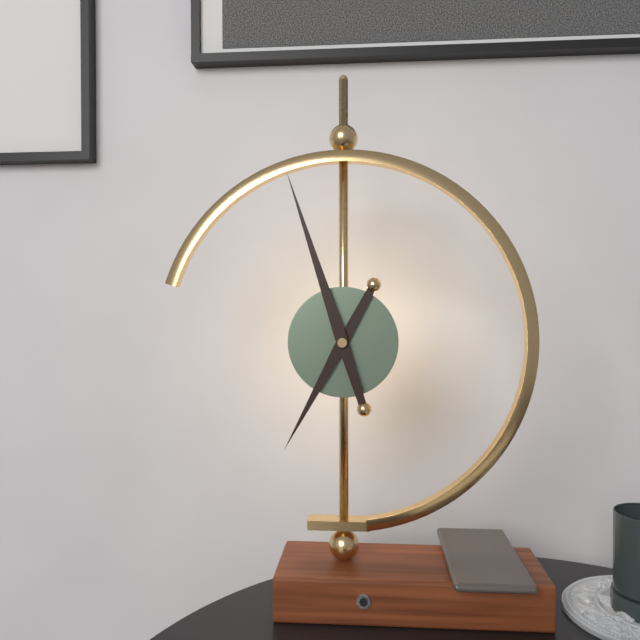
6:57
